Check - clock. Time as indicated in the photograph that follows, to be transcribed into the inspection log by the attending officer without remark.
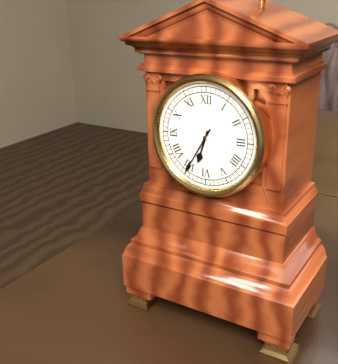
6:35
